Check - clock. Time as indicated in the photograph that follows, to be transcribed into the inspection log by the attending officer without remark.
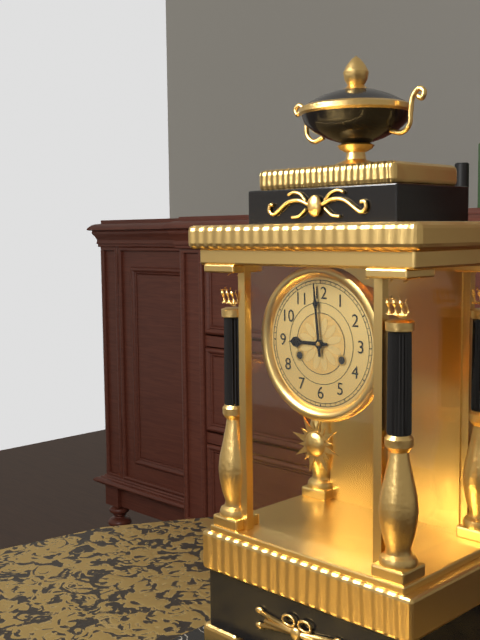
8:59
